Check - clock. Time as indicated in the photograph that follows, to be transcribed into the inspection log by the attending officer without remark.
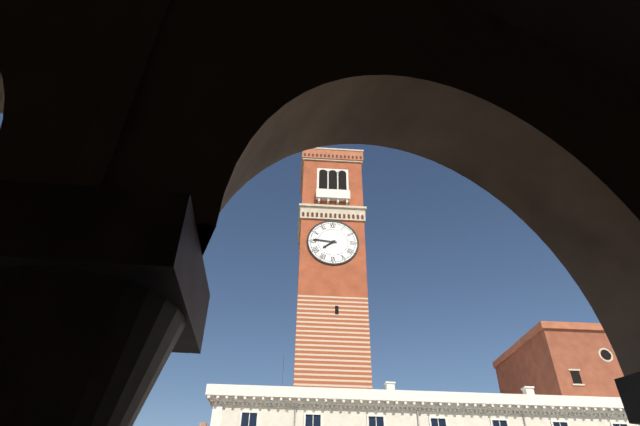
7:46
